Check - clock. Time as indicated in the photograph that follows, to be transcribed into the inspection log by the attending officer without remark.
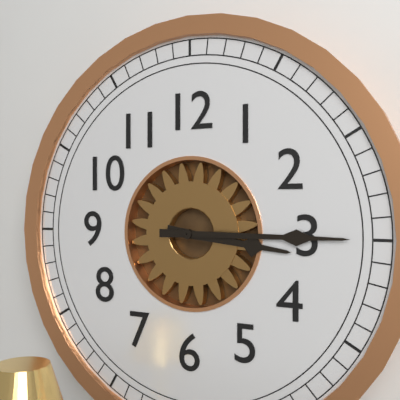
3:15
